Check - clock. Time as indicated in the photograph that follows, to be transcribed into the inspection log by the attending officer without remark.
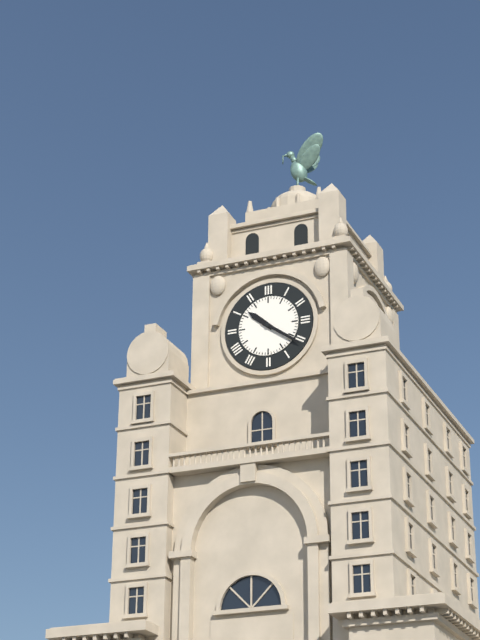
10:21
